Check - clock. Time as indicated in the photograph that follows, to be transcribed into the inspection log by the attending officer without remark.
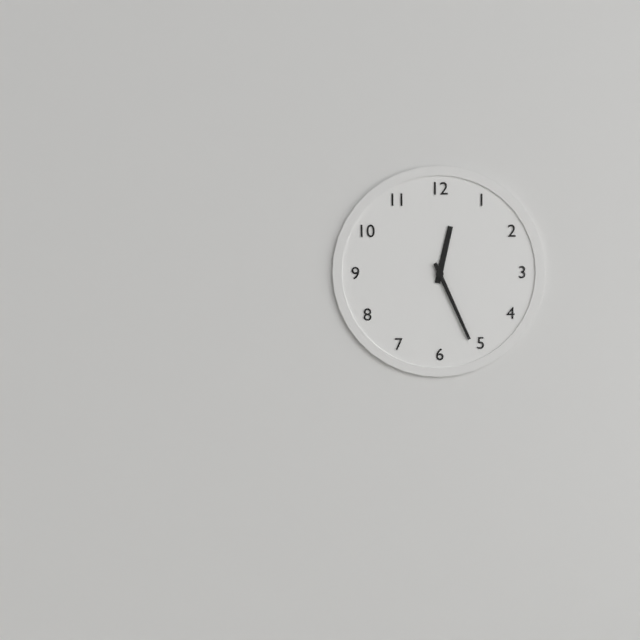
12:26
